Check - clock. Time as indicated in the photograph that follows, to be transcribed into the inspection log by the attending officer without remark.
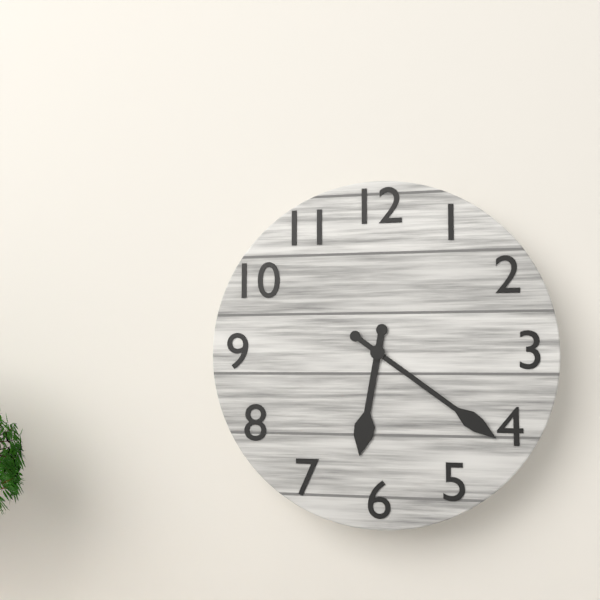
6:21
